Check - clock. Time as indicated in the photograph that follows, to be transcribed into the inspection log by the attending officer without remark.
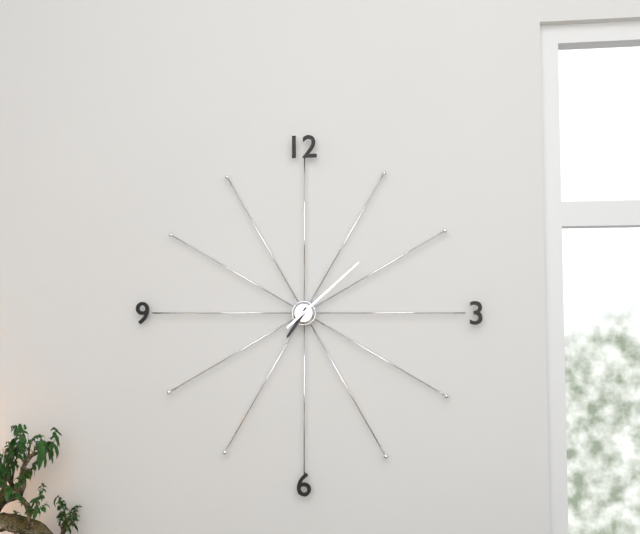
7:08
